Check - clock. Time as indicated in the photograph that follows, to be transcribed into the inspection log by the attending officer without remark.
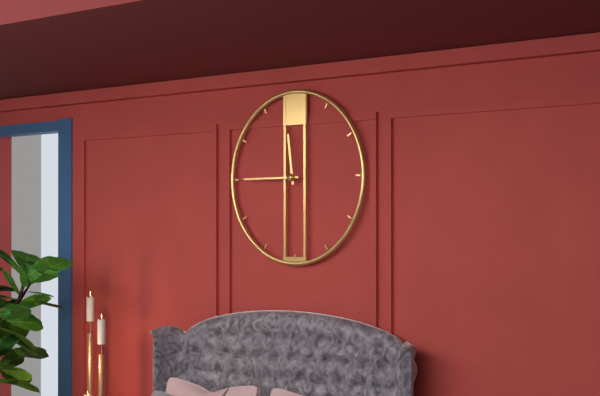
11:45
